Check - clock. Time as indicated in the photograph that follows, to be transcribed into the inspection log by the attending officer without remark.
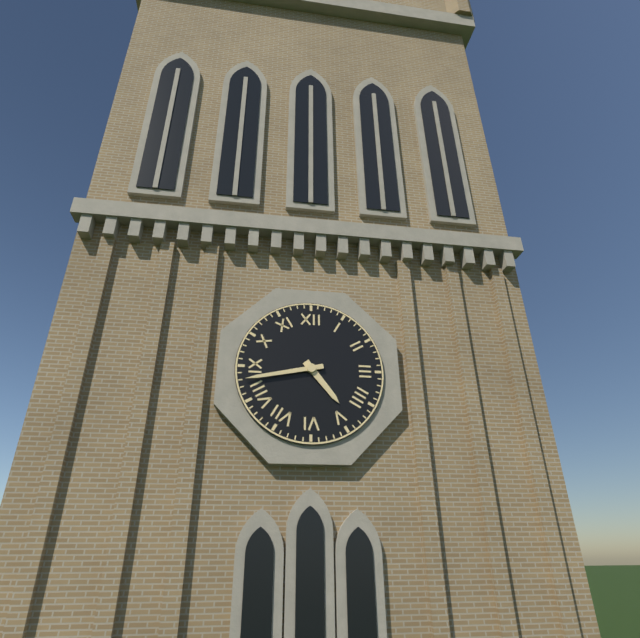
4:43
